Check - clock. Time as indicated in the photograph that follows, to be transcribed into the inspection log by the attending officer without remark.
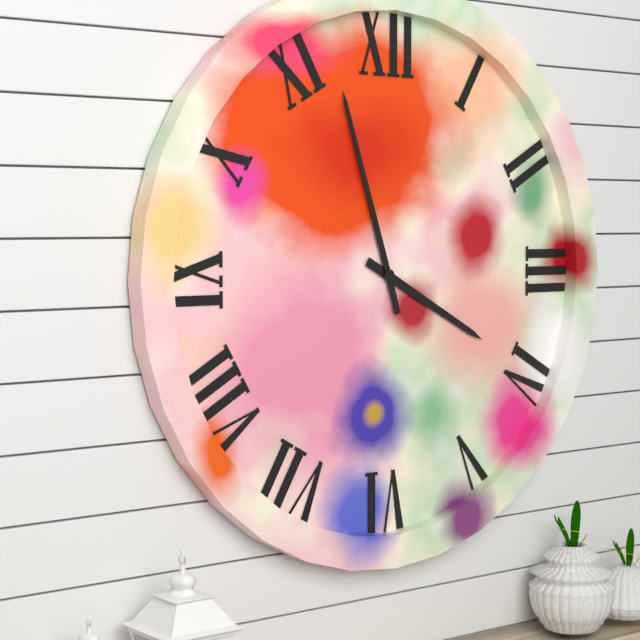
3:57
